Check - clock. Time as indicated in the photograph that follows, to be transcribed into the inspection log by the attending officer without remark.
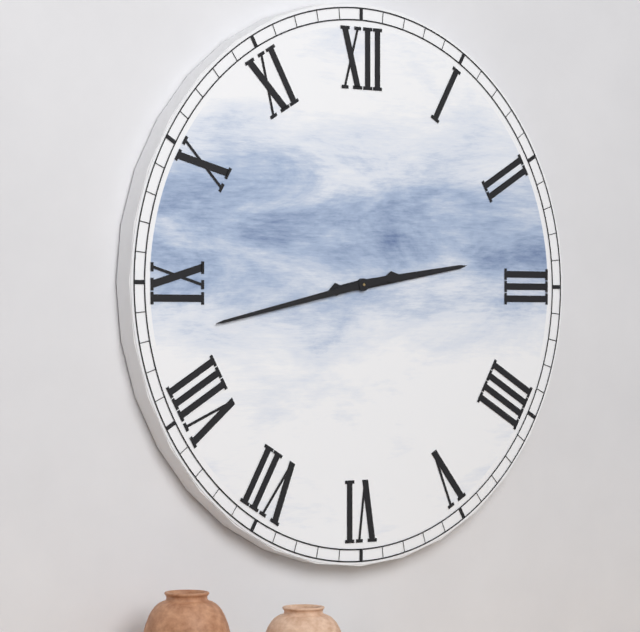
2:43
